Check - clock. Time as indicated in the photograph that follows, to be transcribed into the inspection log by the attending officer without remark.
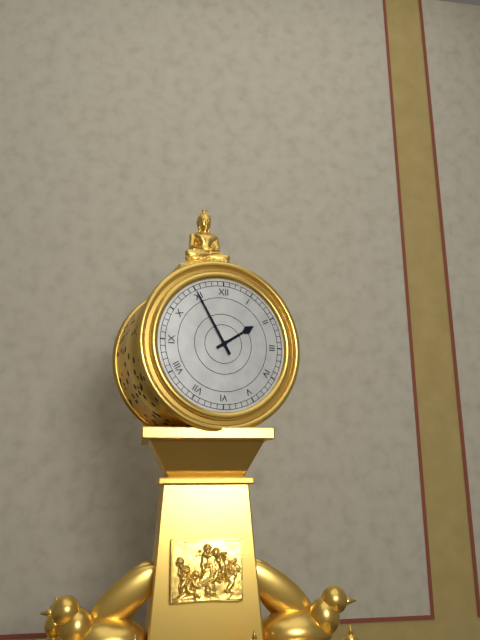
1:55
